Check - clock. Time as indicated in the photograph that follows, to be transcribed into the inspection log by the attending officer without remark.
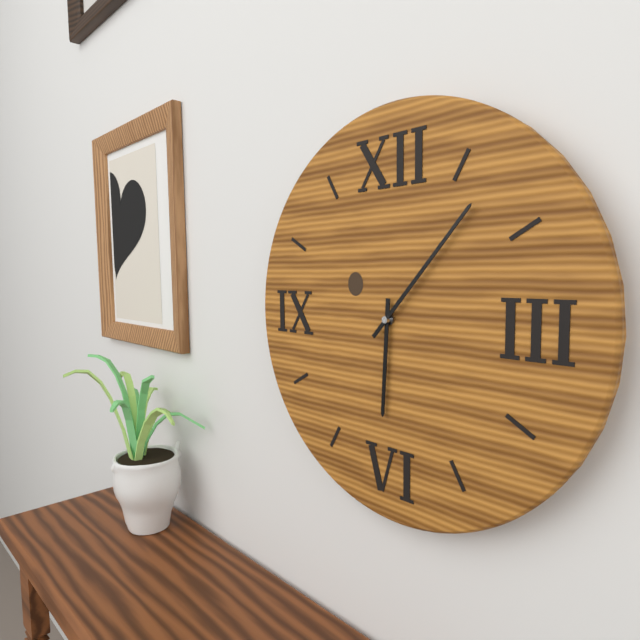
6:07
